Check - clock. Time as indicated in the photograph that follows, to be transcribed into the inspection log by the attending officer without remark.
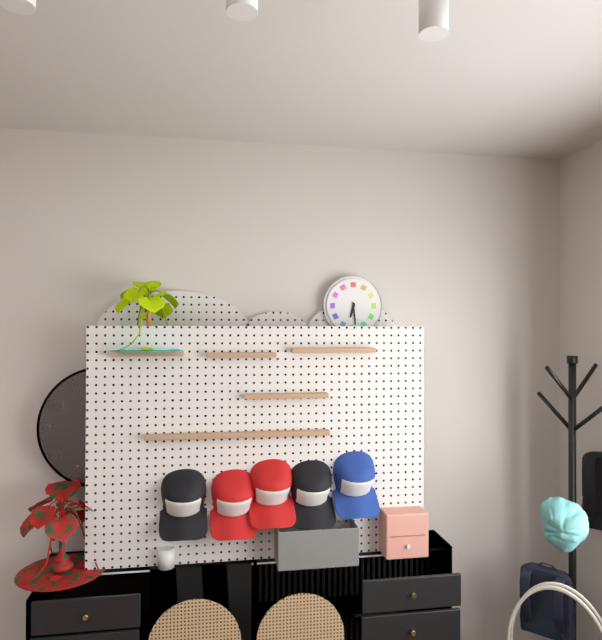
6:29
